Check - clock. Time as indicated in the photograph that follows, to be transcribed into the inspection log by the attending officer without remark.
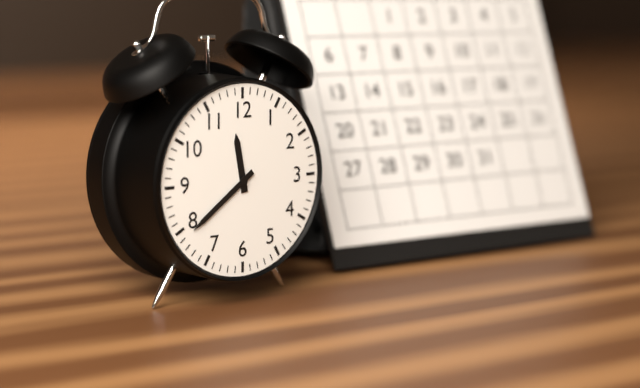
11:39
